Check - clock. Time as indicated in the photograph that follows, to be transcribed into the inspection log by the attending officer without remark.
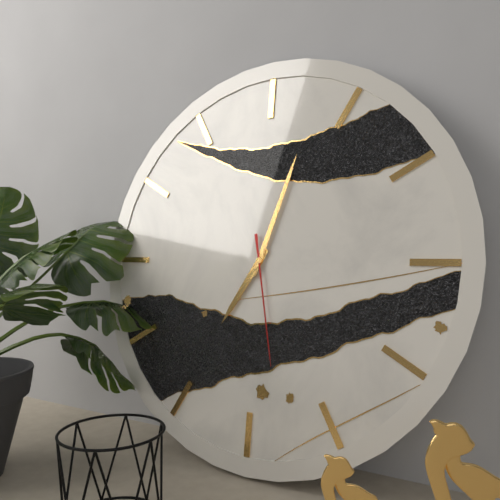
7:03:28
